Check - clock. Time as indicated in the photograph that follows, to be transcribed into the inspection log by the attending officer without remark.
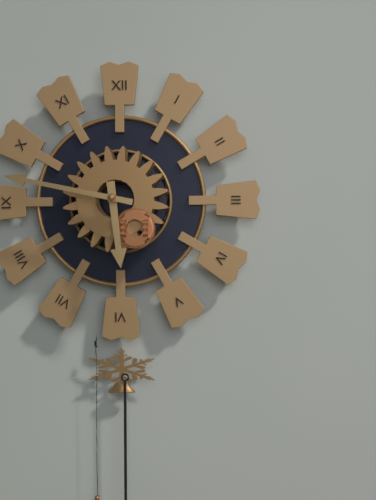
5:47
